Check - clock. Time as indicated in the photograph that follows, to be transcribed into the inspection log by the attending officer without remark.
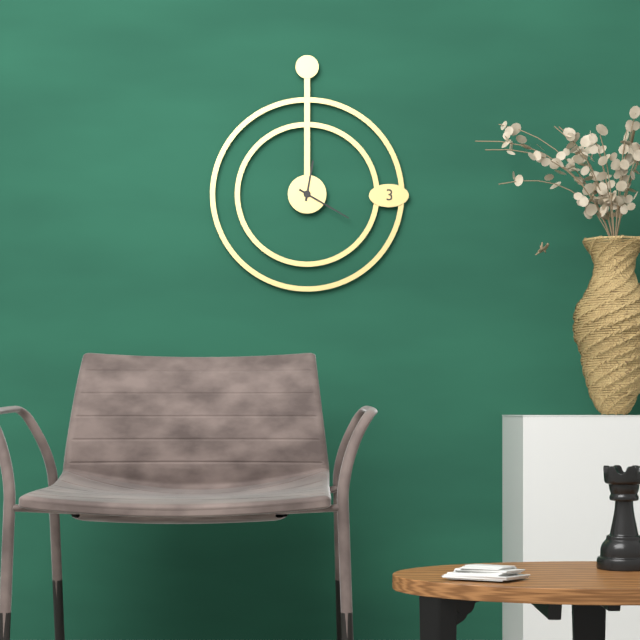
12:20
